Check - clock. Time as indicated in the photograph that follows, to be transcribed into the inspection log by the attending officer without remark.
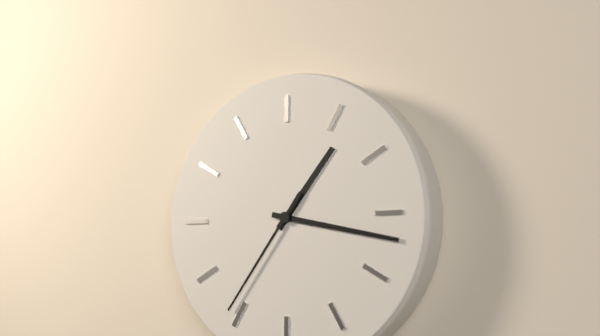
1:17:36
